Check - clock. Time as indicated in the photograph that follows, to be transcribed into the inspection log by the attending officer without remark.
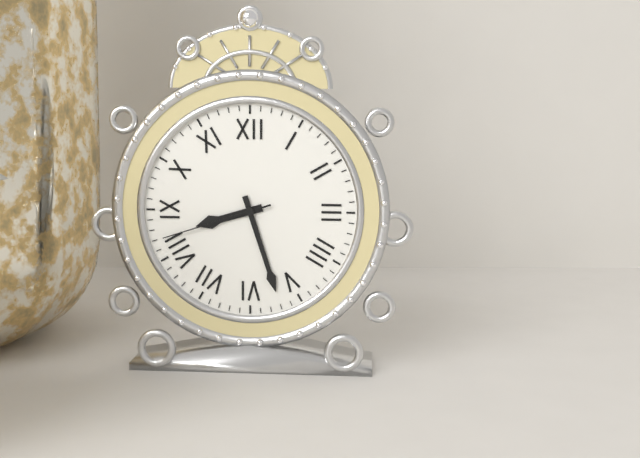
8:27:42
